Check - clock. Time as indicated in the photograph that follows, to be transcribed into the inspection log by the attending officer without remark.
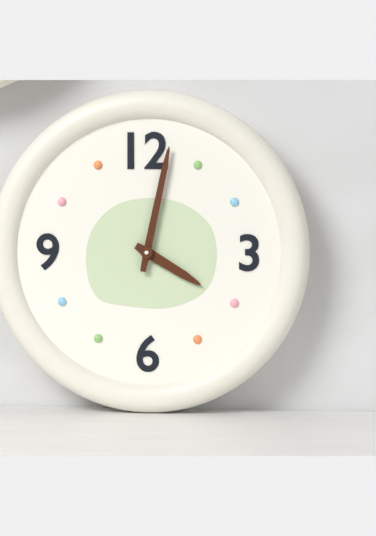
4:02
